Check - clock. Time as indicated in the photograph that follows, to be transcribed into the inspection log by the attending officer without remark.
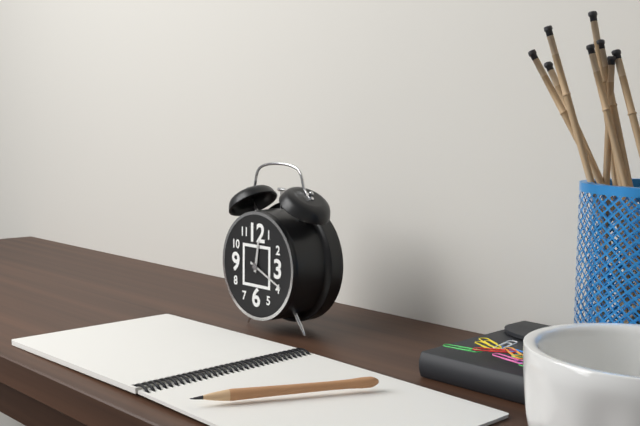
12:19
